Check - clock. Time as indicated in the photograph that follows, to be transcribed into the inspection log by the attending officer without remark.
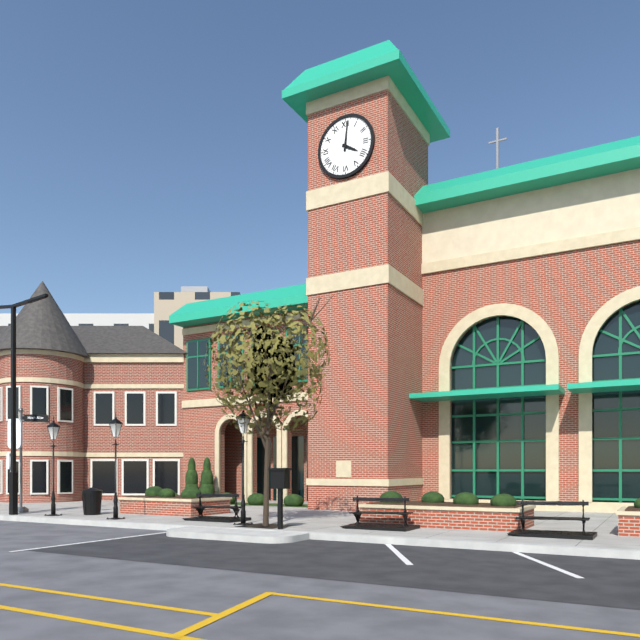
4:01
